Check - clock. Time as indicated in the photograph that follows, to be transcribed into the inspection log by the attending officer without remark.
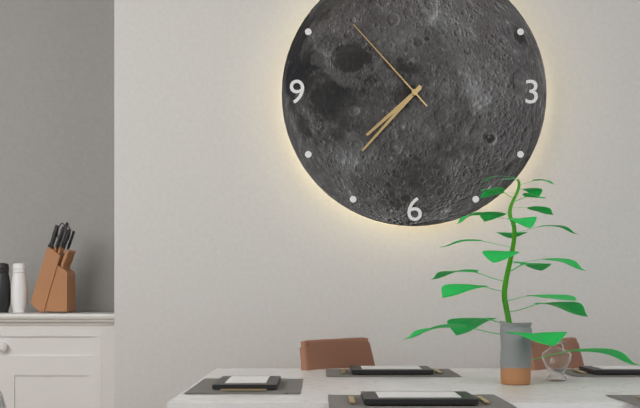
7:37:53
